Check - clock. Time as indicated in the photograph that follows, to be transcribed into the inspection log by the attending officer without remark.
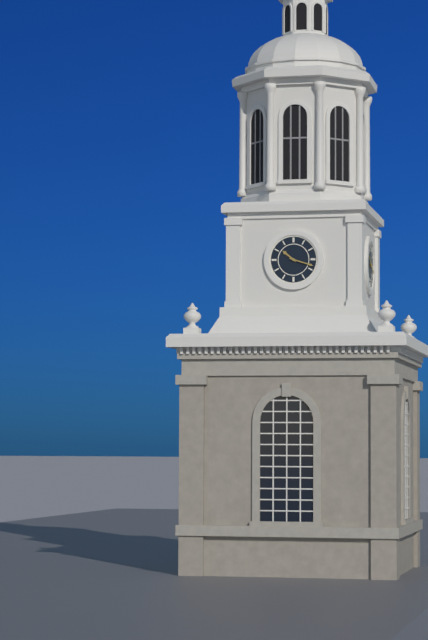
10:18
